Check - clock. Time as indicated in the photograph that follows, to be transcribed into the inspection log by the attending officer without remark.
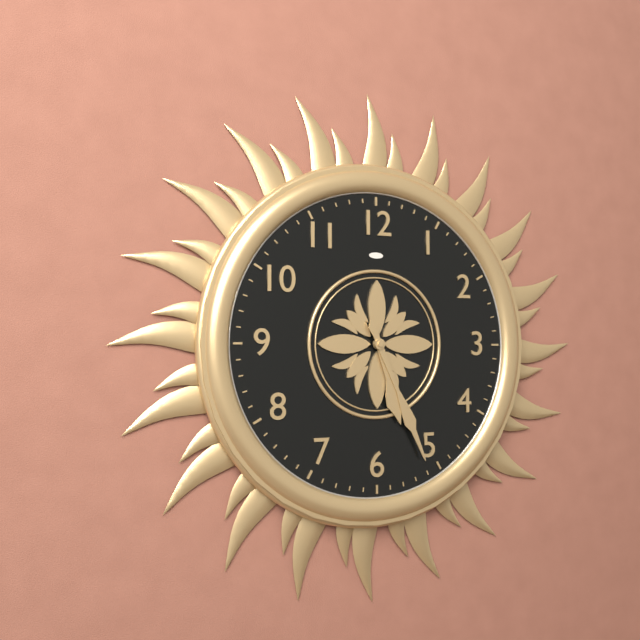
5:26
